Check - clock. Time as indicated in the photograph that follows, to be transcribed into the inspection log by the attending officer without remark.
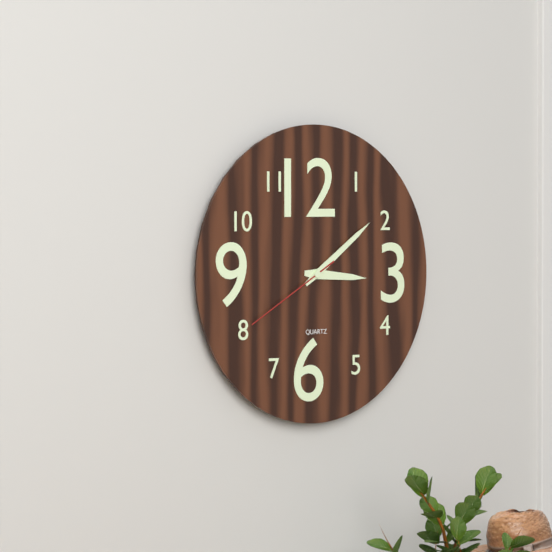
3:09:40
